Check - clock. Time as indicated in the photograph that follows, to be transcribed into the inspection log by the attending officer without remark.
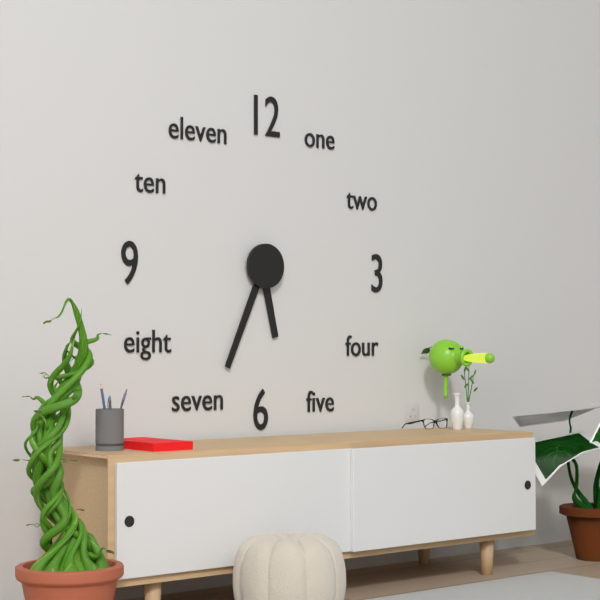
5:34
